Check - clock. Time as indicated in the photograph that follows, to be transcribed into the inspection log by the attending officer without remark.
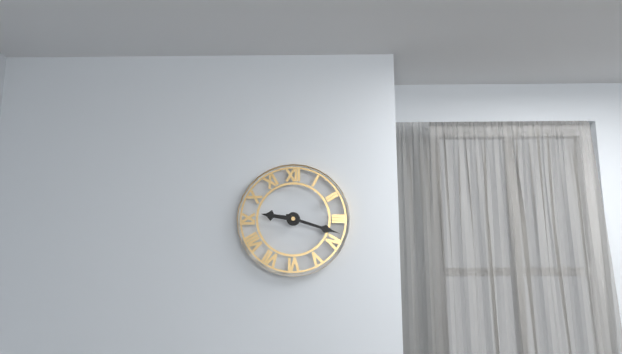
9:18
